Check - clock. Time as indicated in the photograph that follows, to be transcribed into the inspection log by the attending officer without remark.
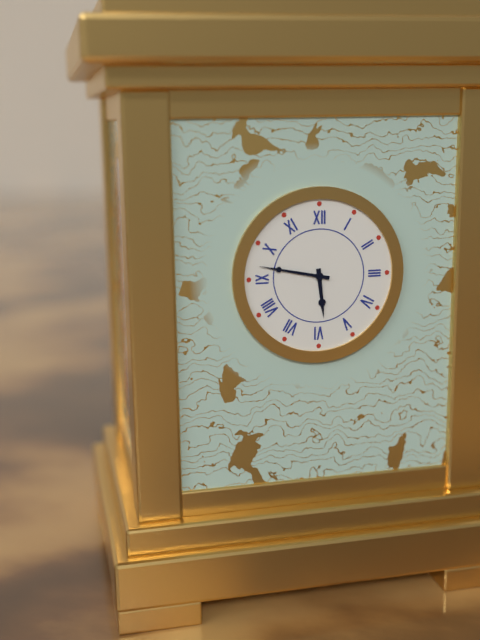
5:47
